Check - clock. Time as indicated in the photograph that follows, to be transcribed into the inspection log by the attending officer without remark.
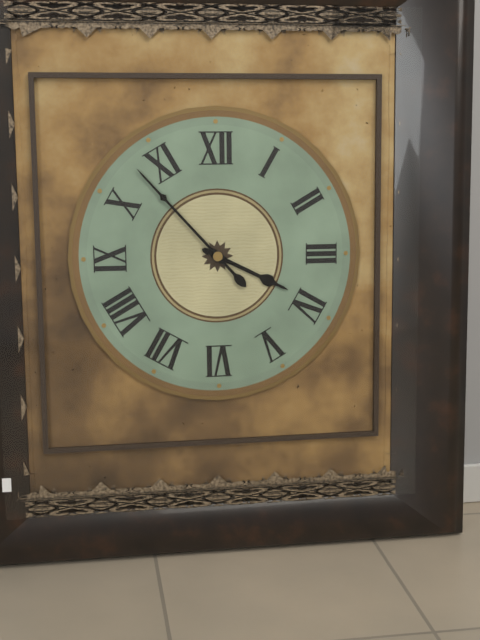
3:53
